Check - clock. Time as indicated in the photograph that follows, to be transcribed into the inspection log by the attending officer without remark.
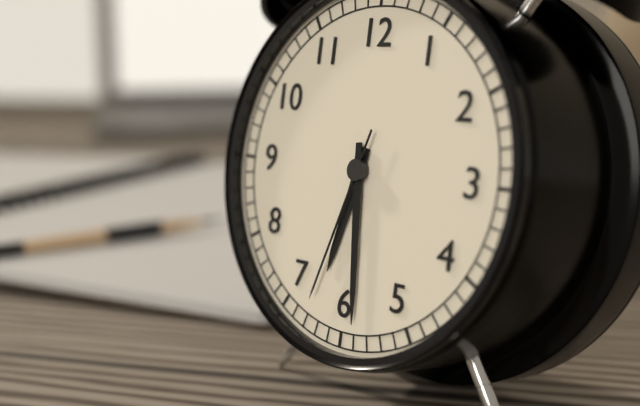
6:29:33
